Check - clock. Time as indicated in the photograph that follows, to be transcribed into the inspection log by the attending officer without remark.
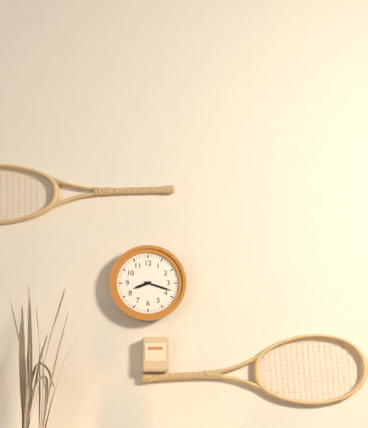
8:18
